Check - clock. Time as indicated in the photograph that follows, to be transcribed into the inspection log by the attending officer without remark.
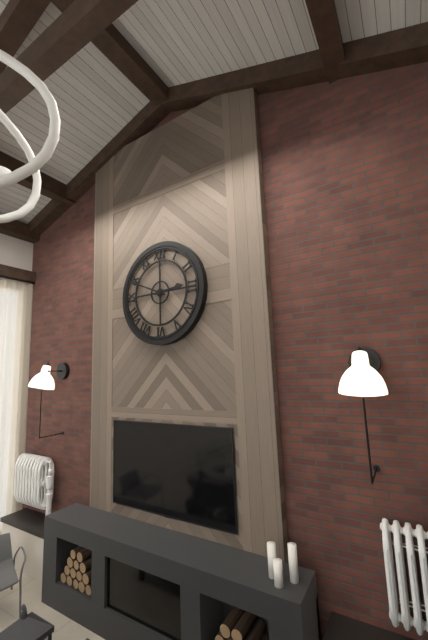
2:49
